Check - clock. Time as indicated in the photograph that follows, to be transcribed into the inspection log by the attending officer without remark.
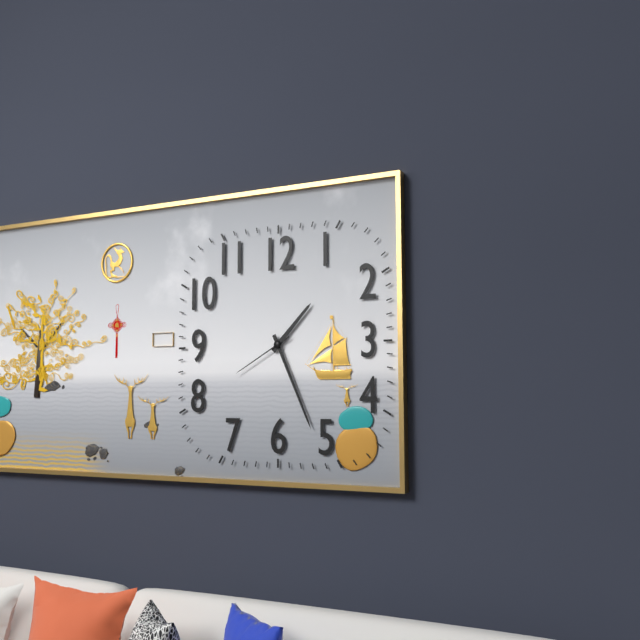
1:26:40
